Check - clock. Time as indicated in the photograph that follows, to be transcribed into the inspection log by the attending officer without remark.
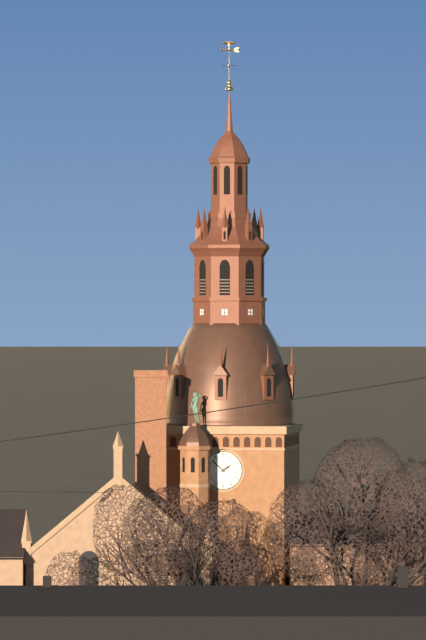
1:52
